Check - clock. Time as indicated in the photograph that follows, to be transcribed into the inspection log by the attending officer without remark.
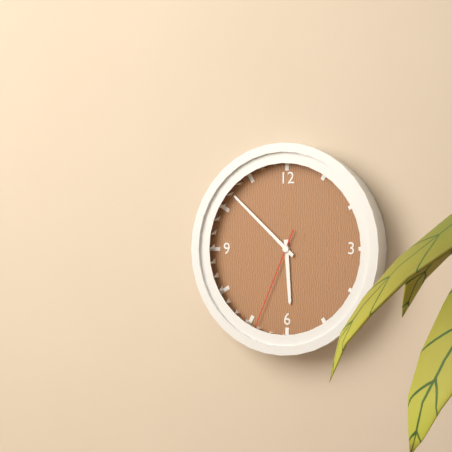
5:52:34
